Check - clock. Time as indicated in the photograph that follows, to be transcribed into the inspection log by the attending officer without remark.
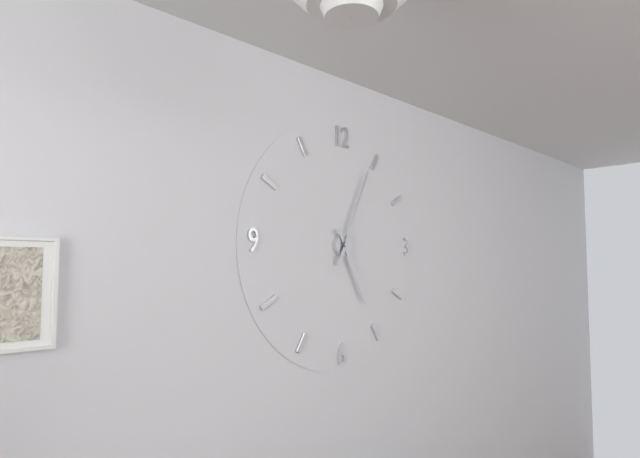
5:04
